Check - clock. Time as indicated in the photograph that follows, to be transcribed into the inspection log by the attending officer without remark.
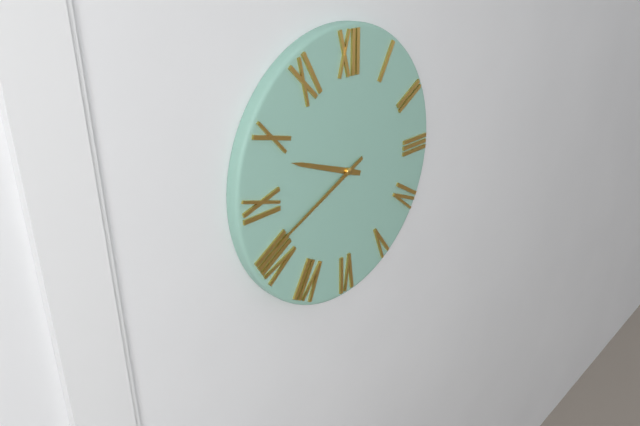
9:41
